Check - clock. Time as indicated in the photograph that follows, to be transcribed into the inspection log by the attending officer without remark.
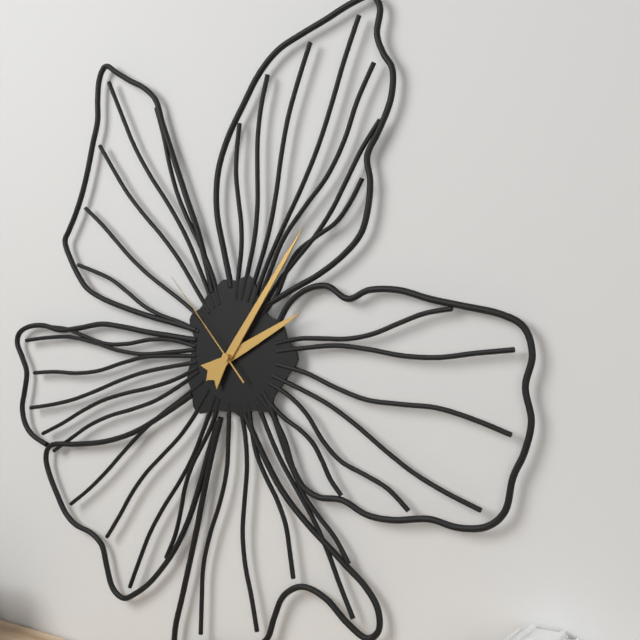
2:06:53
